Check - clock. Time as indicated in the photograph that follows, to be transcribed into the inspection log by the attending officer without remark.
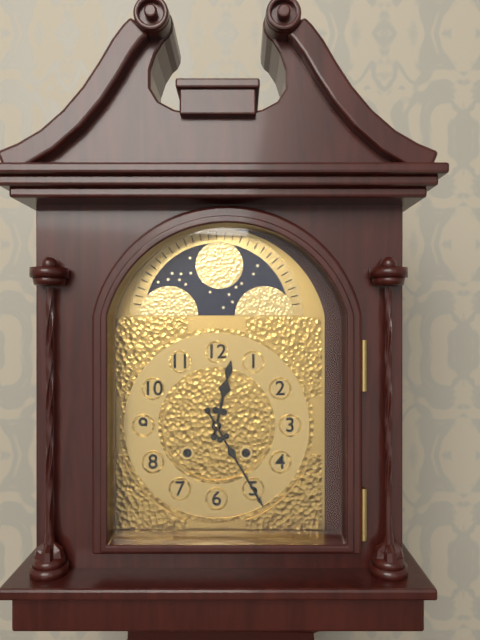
12:25
